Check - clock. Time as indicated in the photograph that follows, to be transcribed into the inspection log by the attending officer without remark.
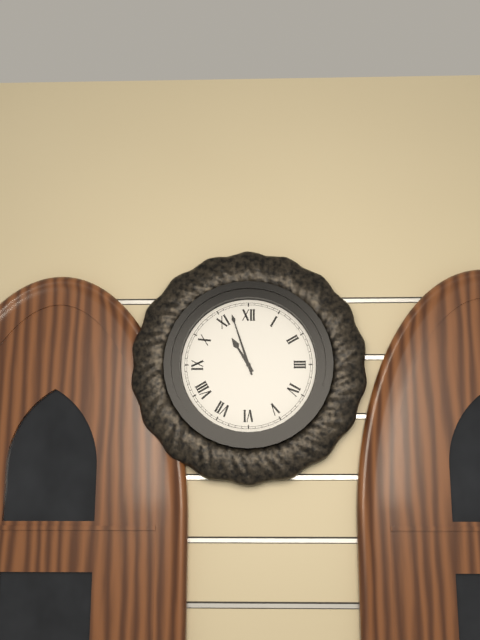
10:57
